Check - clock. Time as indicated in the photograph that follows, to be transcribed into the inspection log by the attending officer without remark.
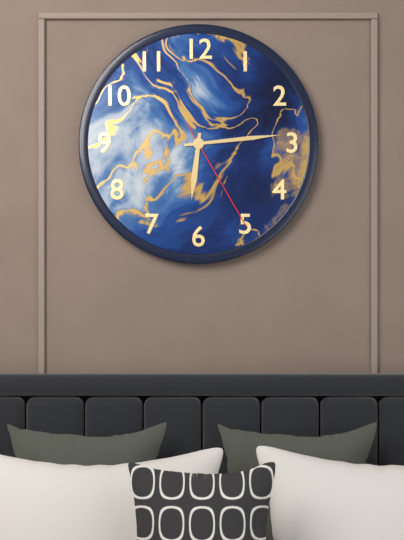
6:14:25
